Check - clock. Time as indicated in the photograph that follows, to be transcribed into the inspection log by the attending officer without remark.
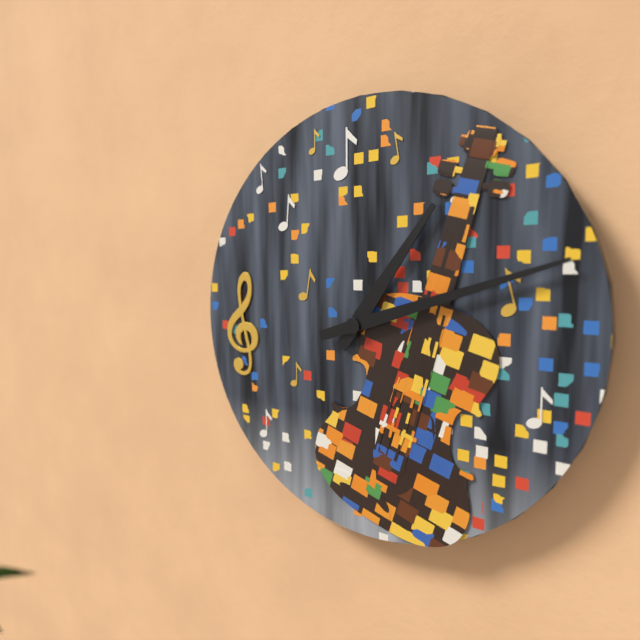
1:12
